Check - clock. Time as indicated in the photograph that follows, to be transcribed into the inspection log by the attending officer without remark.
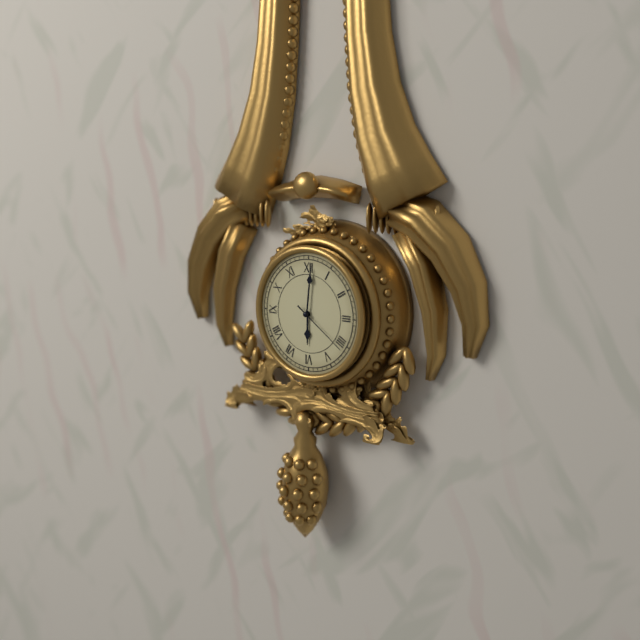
6:01:21
